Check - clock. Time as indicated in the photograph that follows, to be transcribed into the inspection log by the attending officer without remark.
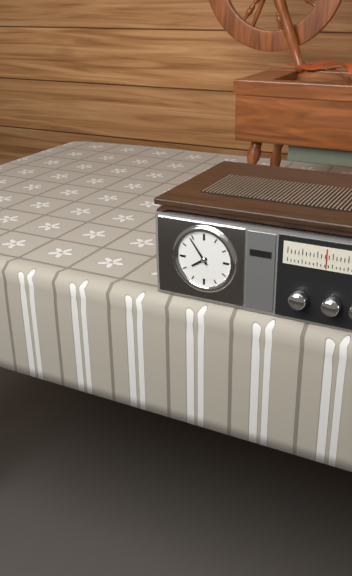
7:54
